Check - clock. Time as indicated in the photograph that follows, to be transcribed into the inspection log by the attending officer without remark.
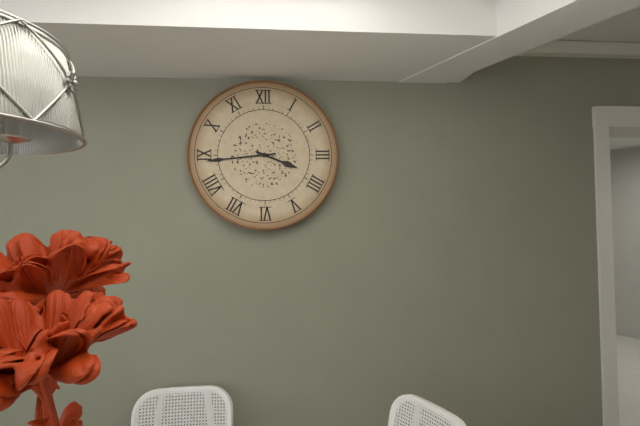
3:44
